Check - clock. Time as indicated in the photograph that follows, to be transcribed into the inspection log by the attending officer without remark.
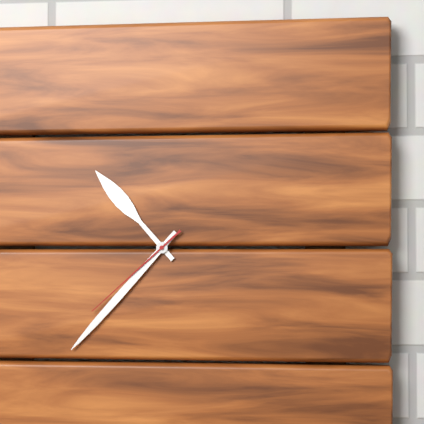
10:37:38
